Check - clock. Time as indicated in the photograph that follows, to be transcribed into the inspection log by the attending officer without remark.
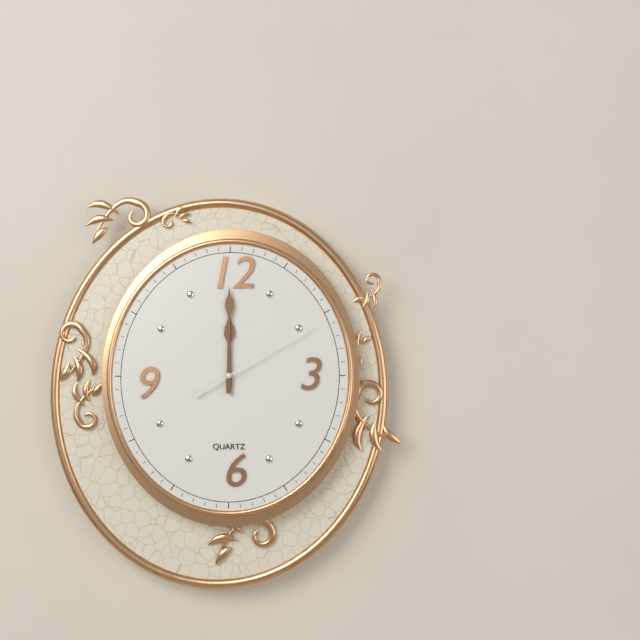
12:00:10
